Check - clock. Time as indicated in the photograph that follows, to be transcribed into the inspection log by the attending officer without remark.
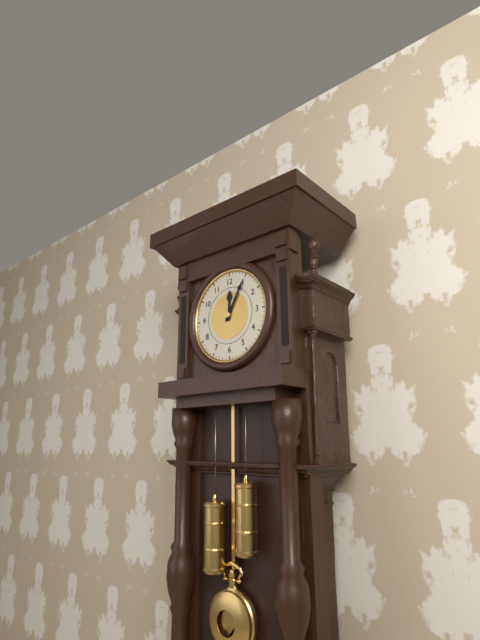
12:05
